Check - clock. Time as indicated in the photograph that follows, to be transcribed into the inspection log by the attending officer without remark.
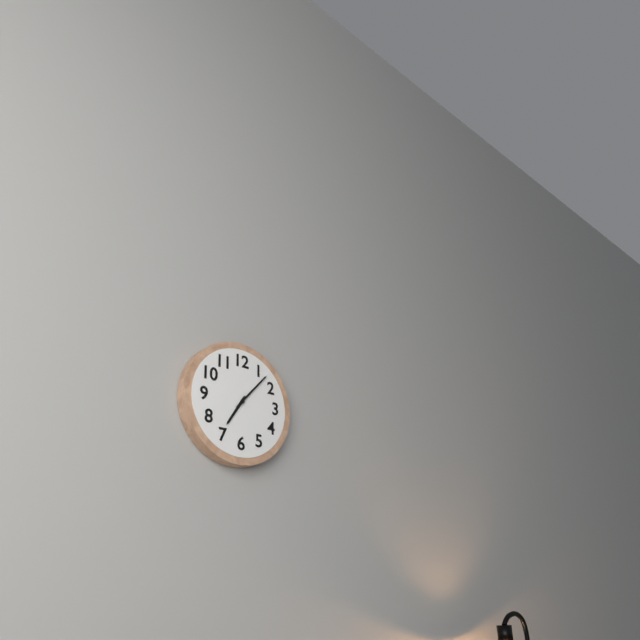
7:07
